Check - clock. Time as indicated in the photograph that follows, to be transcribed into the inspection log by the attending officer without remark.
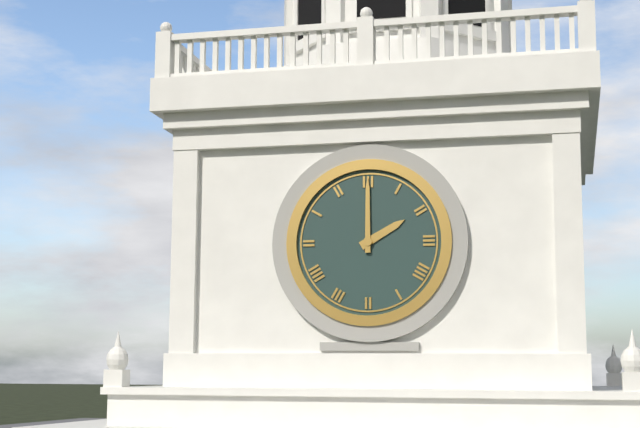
2:00
